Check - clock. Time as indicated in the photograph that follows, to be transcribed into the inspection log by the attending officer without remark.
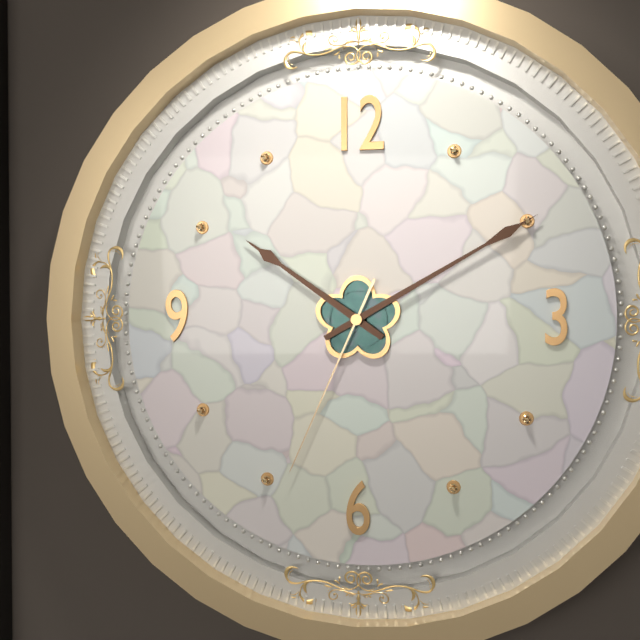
10:10:34
